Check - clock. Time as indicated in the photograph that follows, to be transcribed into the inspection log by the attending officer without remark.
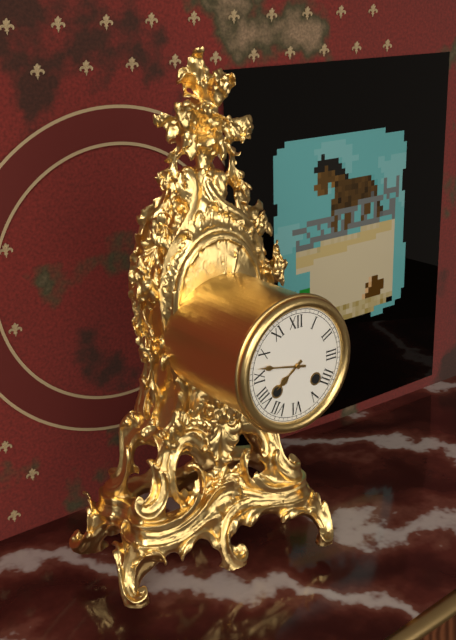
7:47
